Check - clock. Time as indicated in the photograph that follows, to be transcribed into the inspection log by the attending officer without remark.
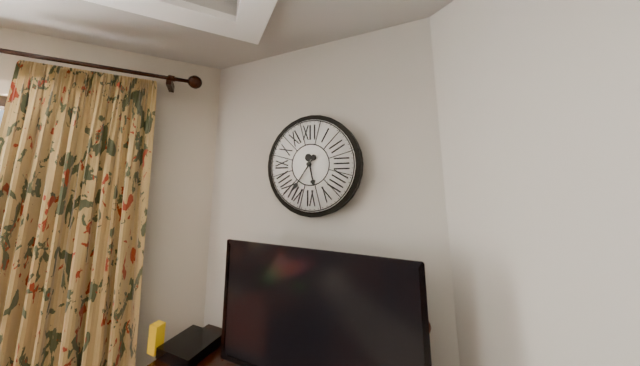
5:36
